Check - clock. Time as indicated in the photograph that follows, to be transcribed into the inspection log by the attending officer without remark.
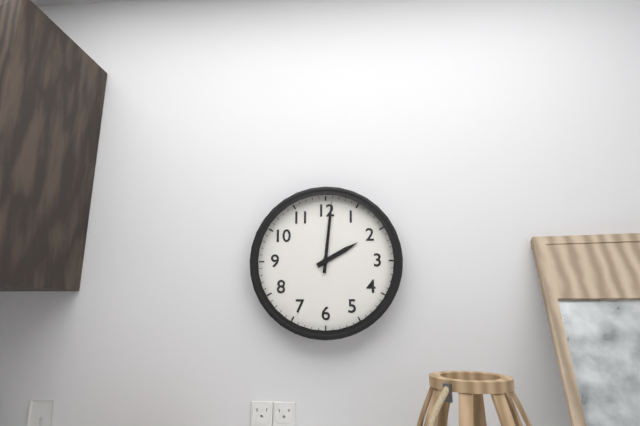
2:01
